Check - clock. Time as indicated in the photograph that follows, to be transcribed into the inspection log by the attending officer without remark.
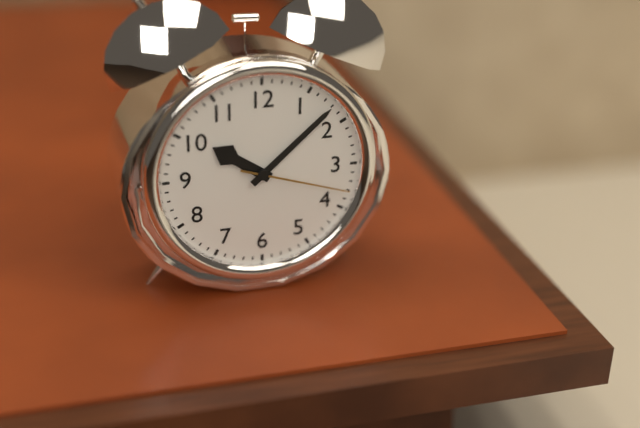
10:08:18
